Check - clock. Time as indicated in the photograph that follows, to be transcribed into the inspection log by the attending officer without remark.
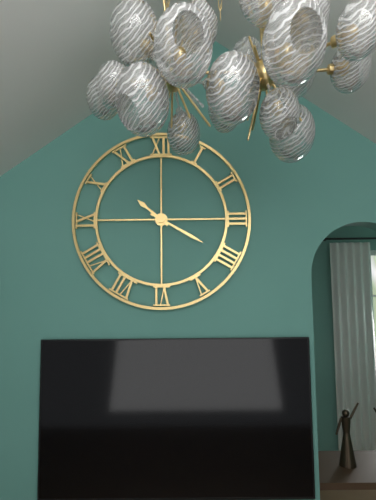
10:20
